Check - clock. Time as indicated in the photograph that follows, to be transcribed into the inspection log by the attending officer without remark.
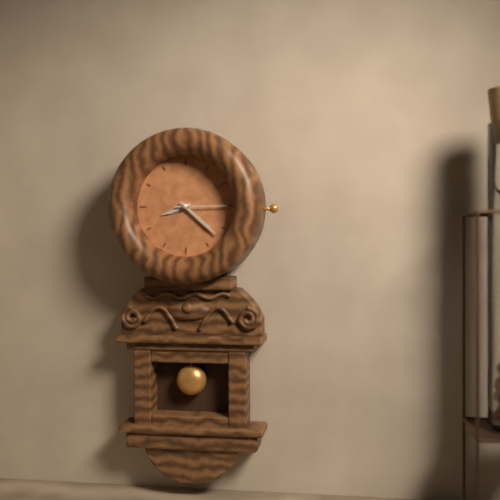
8:22
